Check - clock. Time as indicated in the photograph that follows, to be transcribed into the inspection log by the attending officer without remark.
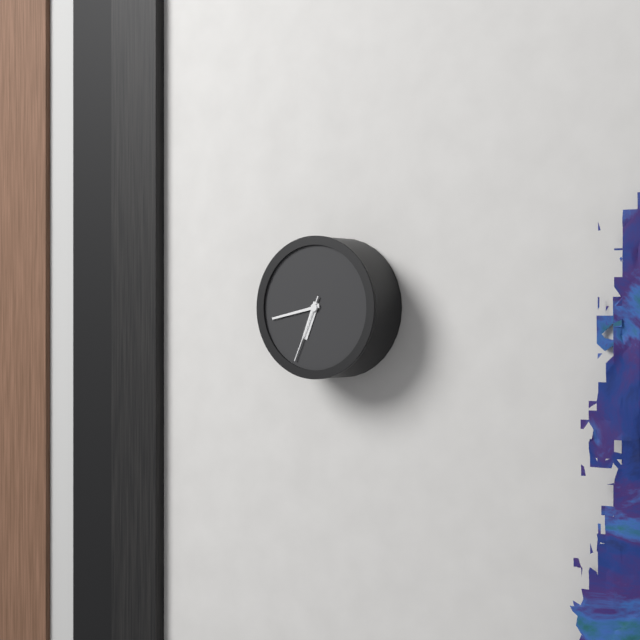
6:43:34
